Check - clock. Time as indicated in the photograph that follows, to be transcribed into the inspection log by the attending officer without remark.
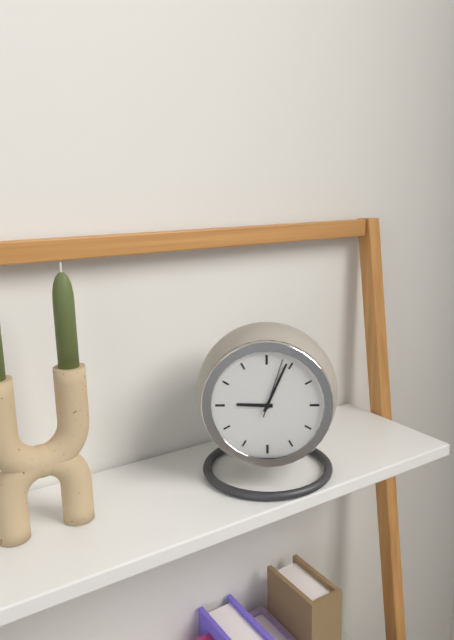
9:04:03
